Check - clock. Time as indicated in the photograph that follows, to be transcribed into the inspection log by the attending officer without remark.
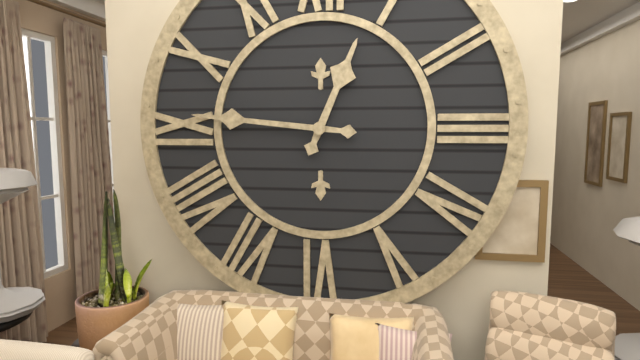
12:46
